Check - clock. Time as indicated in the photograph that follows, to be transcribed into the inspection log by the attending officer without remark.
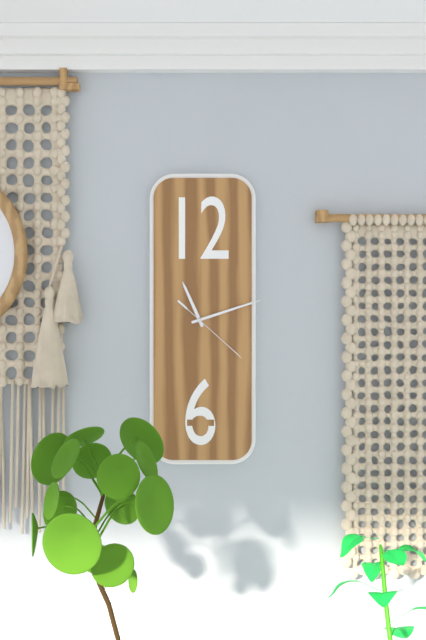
11:12:22
